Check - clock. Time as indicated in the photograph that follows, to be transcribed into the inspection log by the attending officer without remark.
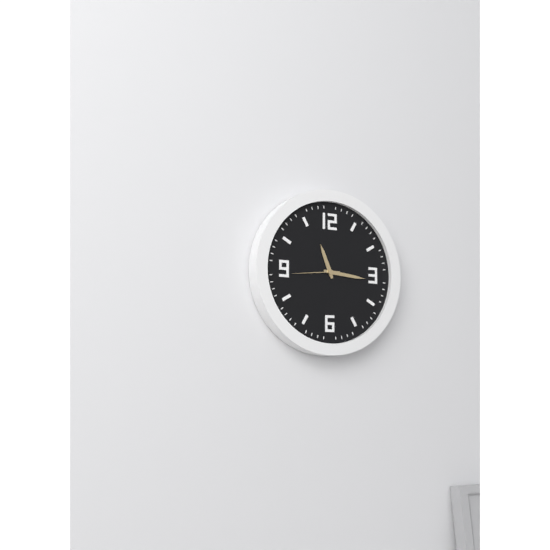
11:16
